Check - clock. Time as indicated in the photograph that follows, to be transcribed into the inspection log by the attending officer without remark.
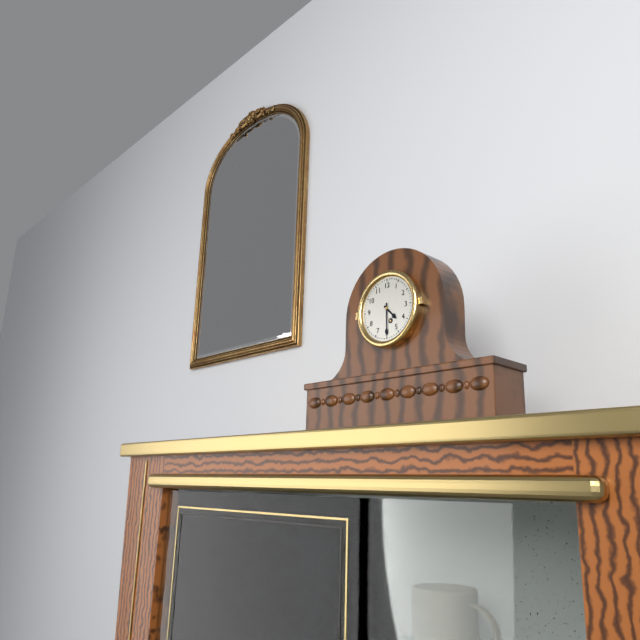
4:30
